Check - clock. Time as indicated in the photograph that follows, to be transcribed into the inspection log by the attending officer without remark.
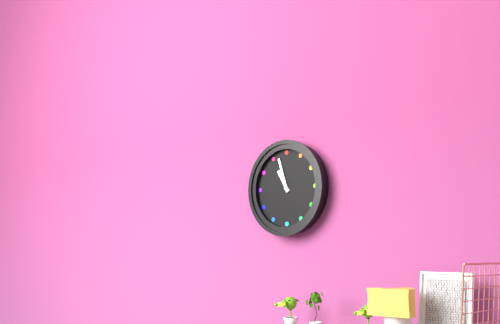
10:57
